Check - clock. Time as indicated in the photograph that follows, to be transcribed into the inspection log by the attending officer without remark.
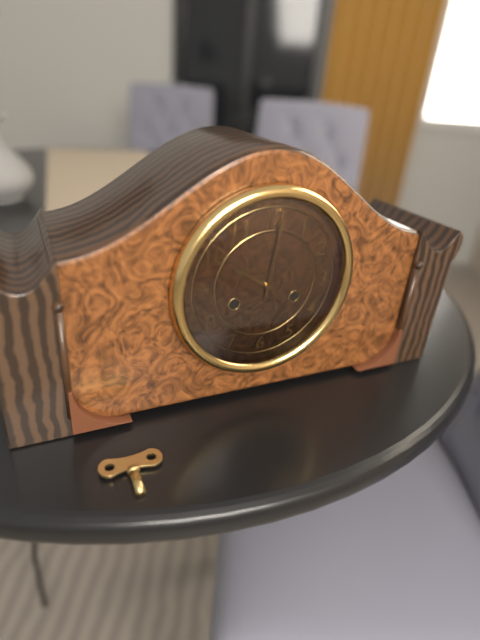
10:01
